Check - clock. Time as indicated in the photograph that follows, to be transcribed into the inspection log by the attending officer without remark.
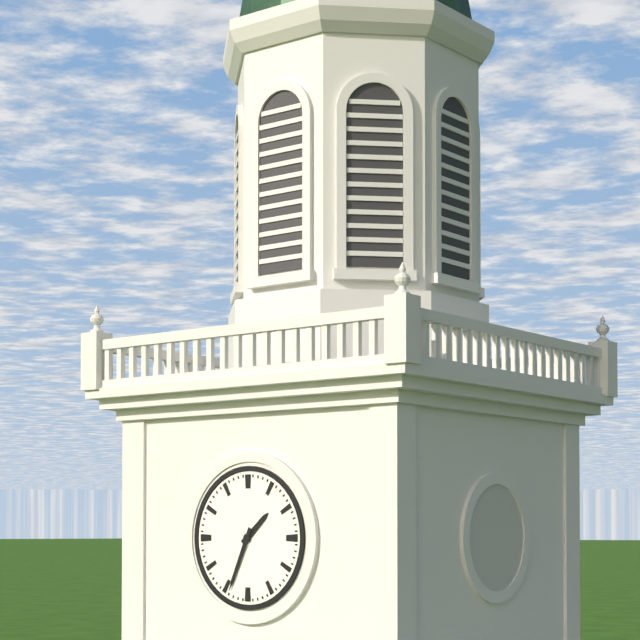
1:34
